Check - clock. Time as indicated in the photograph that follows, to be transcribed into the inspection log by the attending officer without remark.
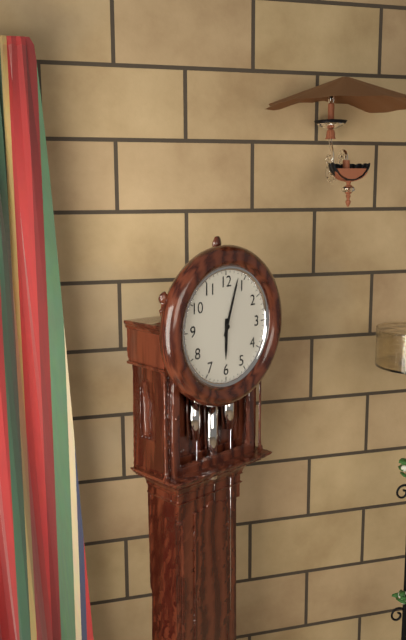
6:03
